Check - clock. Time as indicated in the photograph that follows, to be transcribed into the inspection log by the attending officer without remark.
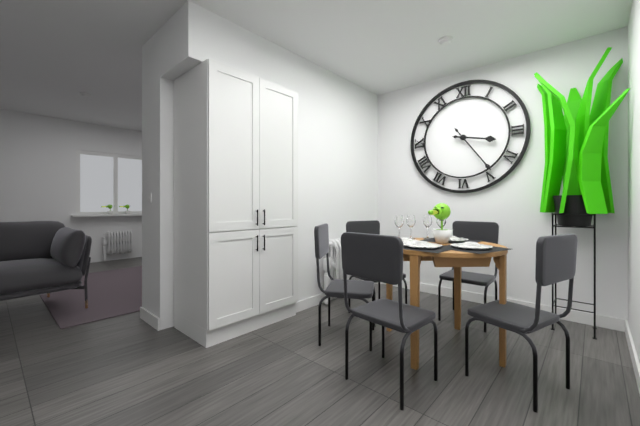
3:24
